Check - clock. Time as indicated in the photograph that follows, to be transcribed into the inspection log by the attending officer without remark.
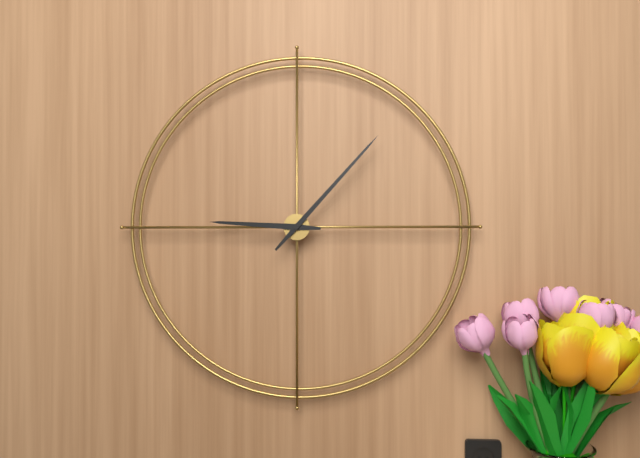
9:07
